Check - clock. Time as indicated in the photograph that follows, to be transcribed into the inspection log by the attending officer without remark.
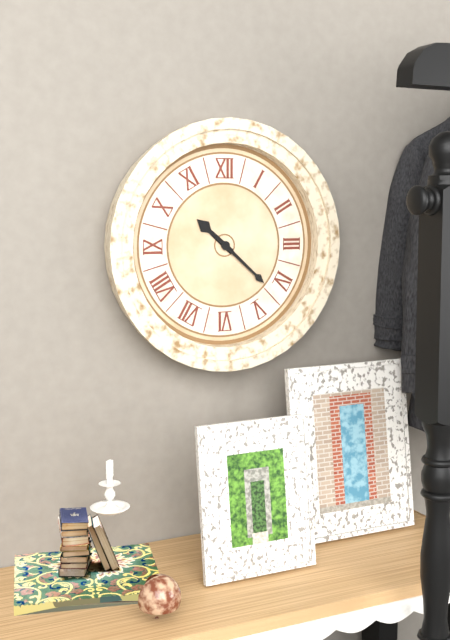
10:22
